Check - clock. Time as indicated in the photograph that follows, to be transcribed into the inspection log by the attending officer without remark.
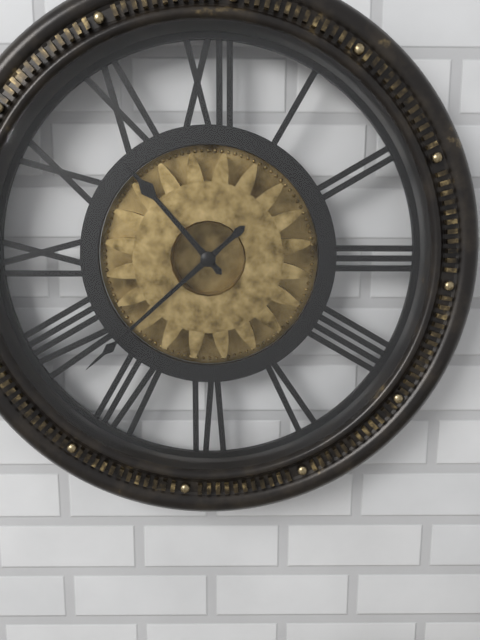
10:38
